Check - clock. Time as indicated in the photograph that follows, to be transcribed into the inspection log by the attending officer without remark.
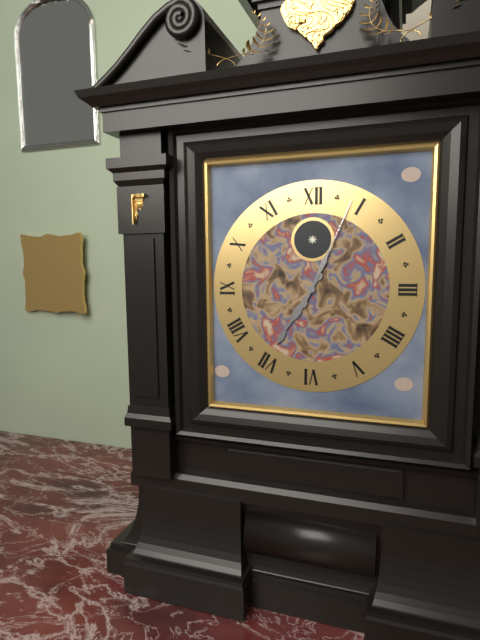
7:04
